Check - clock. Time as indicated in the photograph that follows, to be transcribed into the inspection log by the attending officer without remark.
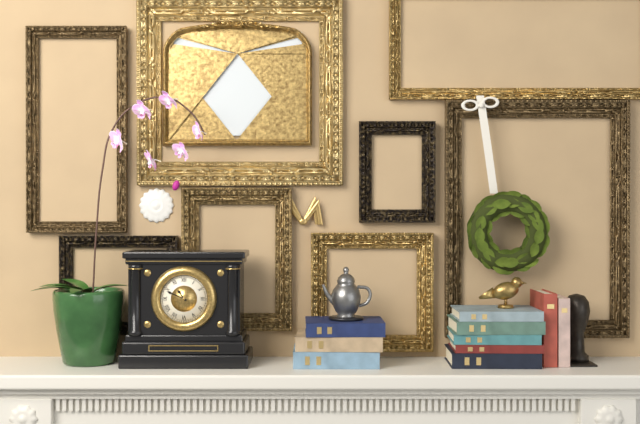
10:49
